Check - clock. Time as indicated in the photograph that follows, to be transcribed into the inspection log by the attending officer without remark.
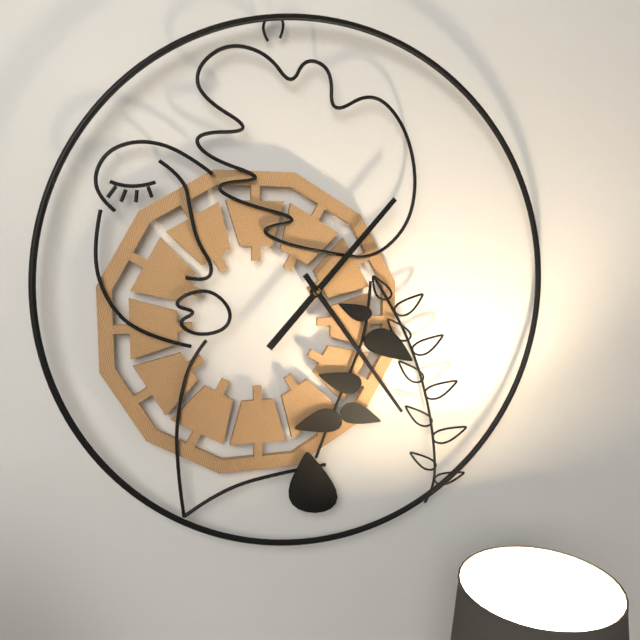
1:24
